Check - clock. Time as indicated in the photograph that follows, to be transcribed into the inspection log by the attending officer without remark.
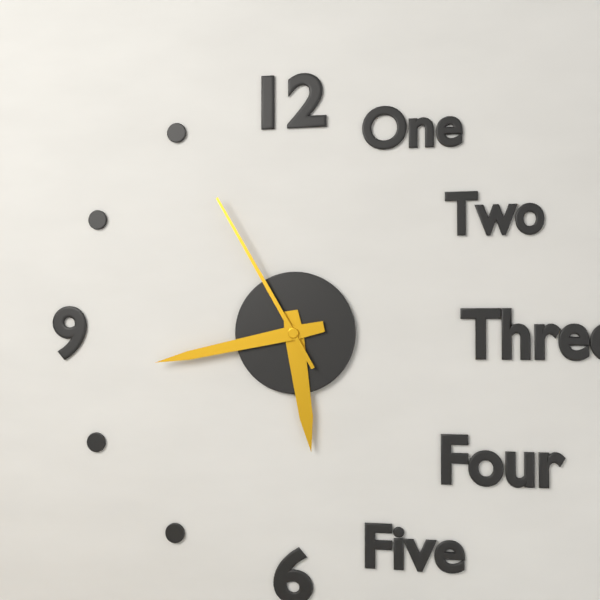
5:43:55
